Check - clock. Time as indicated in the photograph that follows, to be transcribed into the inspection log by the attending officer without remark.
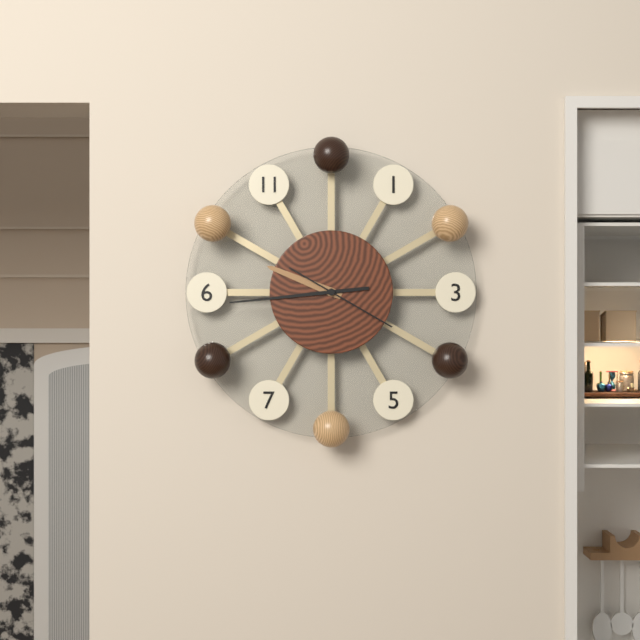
9:44:20
